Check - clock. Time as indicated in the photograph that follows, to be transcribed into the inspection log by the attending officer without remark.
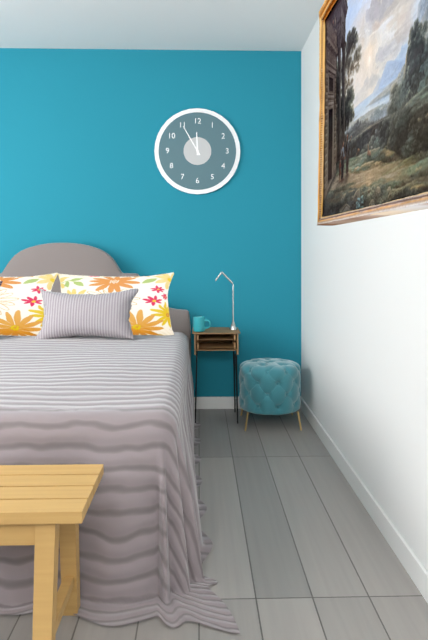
11:55
